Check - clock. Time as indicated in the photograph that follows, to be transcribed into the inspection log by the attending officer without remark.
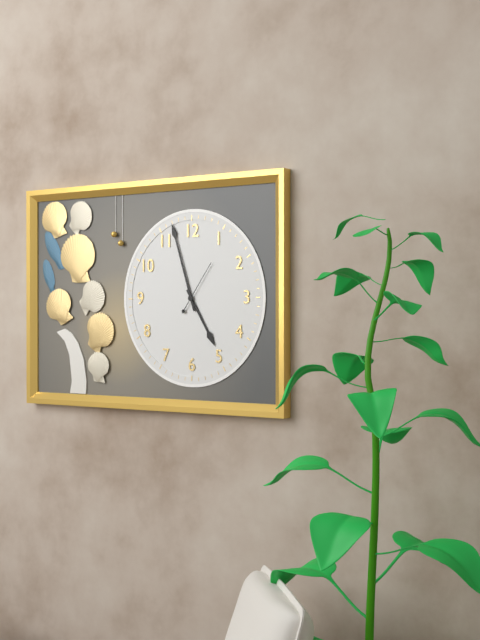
4:57:06
